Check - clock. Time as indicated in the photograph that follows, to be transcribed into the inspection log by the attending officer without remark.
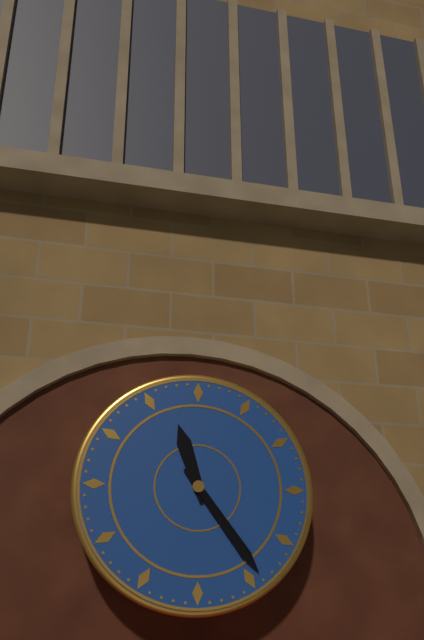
11:24
